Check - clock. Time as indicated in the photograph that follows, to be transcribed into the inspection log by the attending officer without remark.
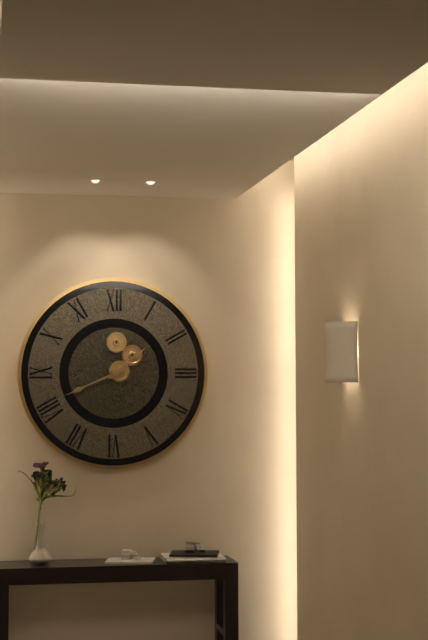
1:41
